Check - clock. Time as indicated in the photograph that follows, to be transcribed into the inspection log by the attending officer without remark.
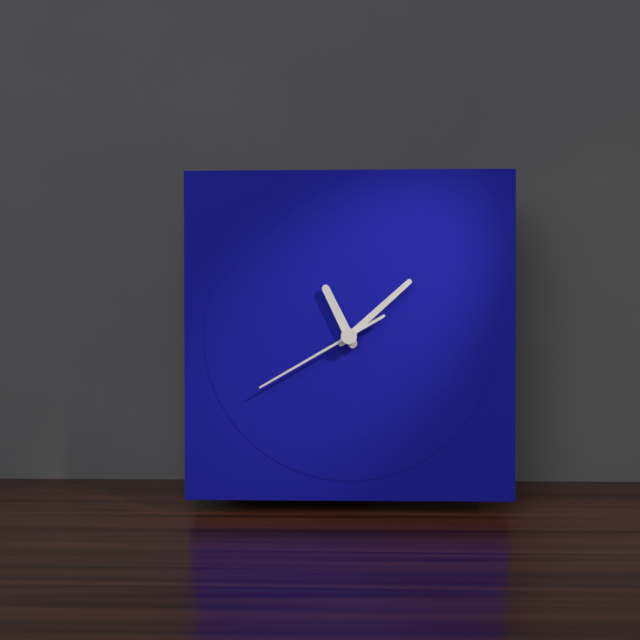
11:08:40
